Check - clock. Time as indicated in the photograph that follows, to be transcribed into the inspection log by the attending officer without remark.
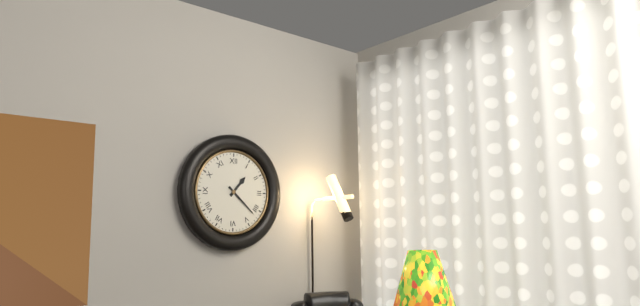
1:22
